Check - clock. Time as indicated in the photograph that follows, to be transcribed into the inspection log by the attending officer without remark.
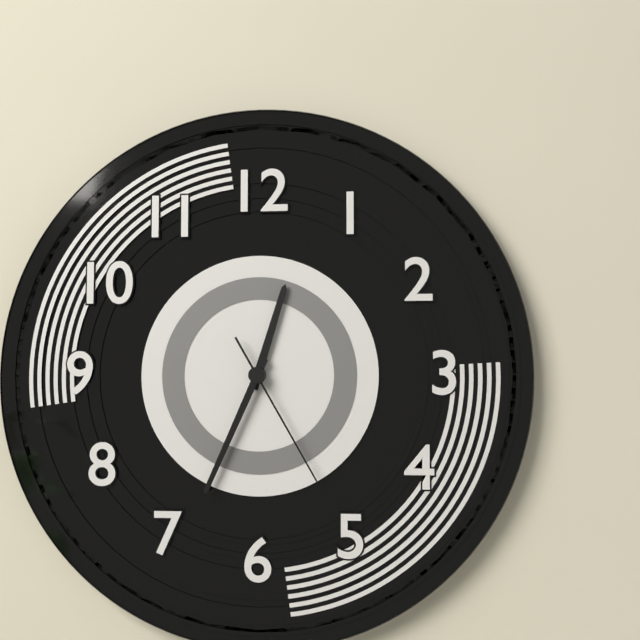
12:34:25
